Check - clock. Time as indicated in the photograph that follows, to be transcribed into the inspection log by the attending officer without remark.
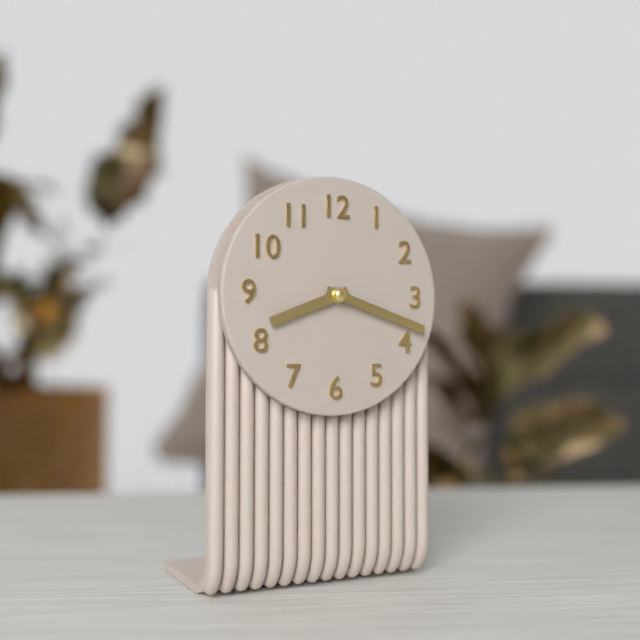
8:18
